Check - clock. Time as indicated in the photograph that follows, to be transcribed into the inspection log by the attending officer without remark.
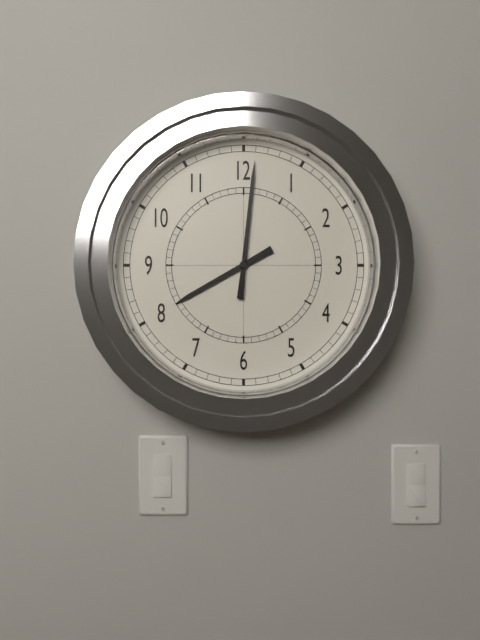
8:01
